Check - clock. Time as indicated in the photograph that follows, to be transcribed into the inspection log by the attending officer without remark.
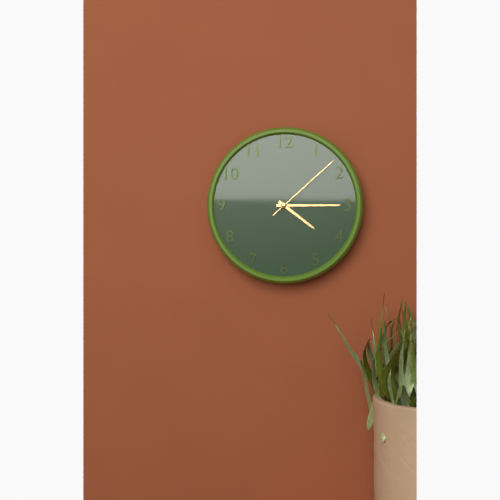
4:15:08
